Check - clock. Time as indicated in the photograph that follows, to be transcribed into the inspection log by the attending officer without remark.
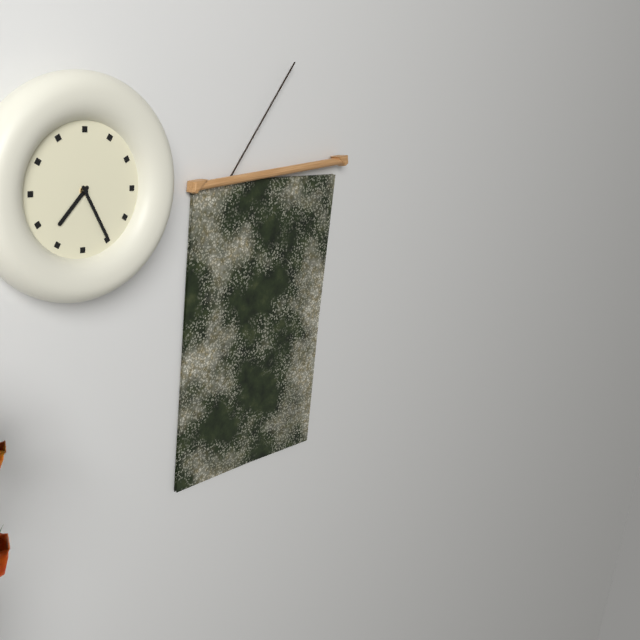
7:25
